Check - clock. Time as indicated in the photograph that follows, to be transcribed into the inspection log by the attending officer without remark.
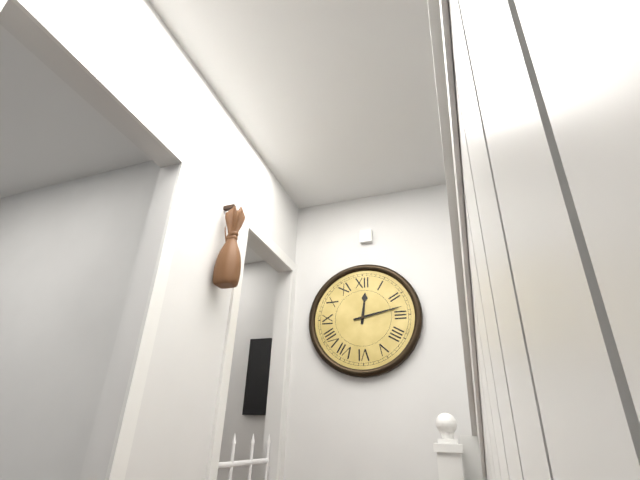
12:13
